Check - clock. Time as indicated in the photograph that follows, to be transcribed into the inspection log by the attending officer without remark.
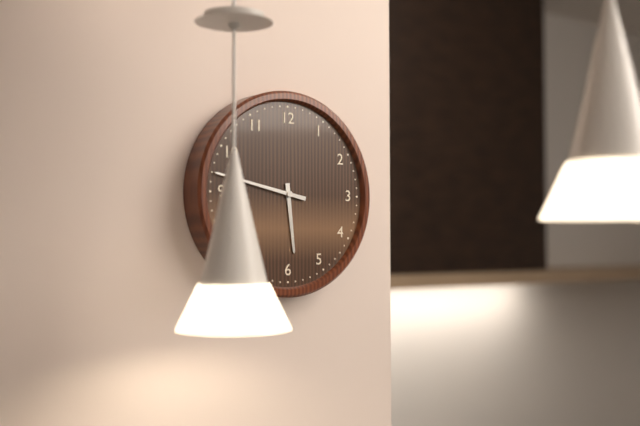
5:47
